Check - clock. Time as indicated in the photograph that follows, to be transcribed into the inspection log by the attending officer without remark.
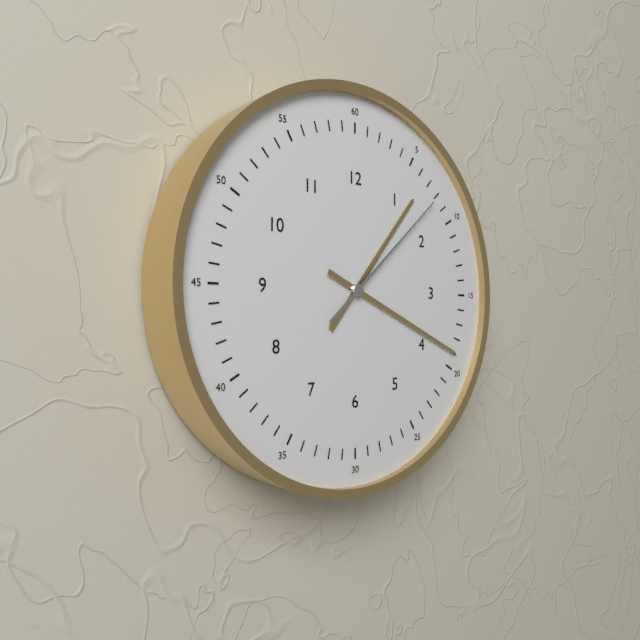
1:19:08
